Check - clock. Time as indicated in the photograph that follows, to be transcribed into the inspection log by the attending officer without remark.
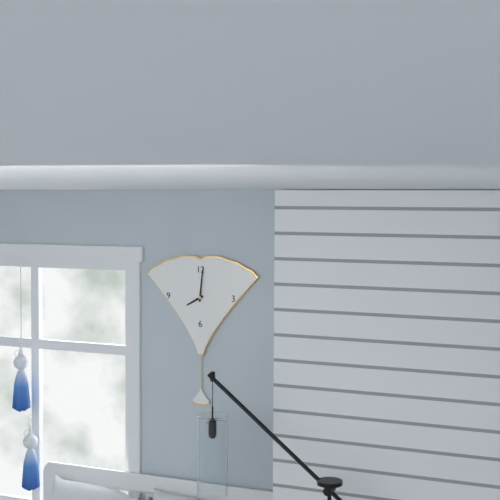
8:01
